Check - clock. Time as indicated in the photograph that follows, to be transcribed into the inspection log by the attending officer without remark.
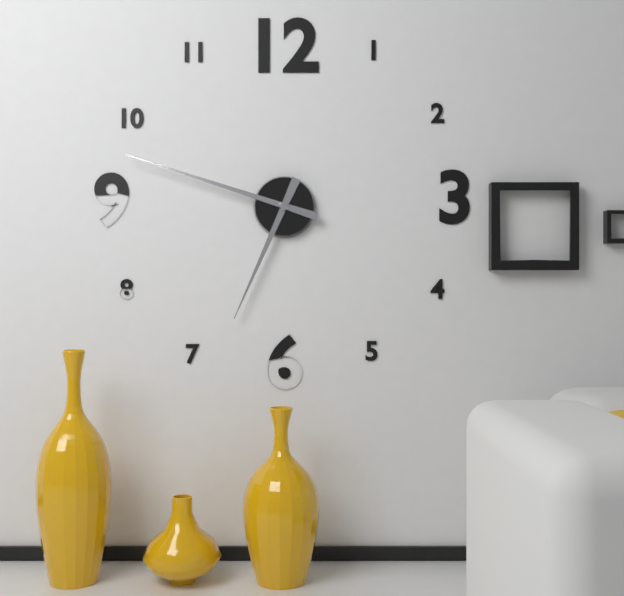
6:48
